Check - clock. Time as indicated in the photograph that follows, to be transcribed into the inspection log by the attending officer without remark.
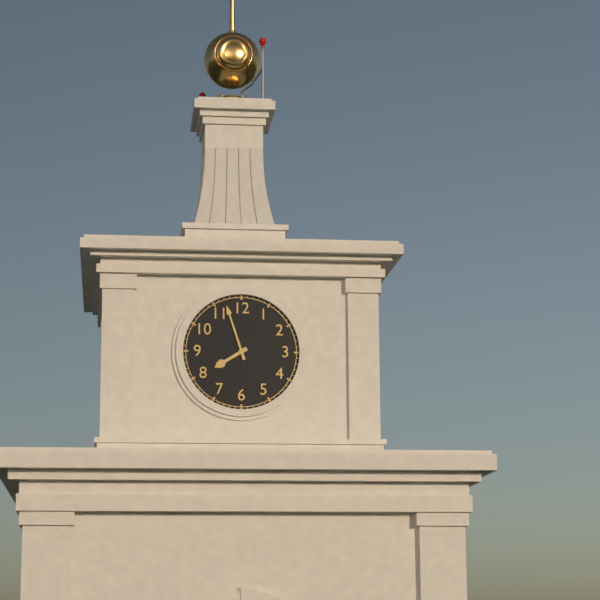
7:57
